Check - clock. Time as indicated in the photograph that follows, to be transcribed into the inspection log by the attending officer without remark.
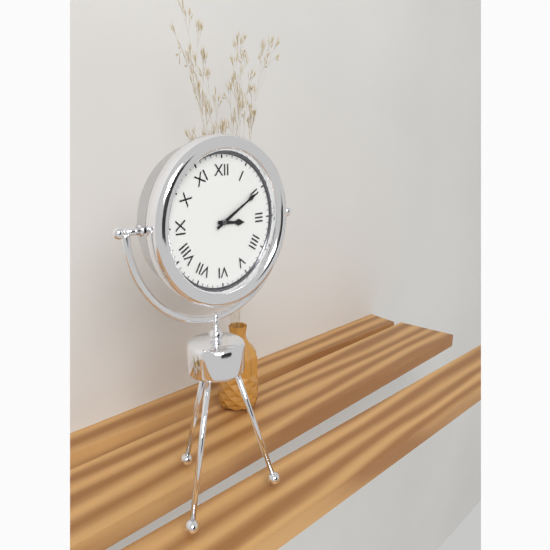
3:10
